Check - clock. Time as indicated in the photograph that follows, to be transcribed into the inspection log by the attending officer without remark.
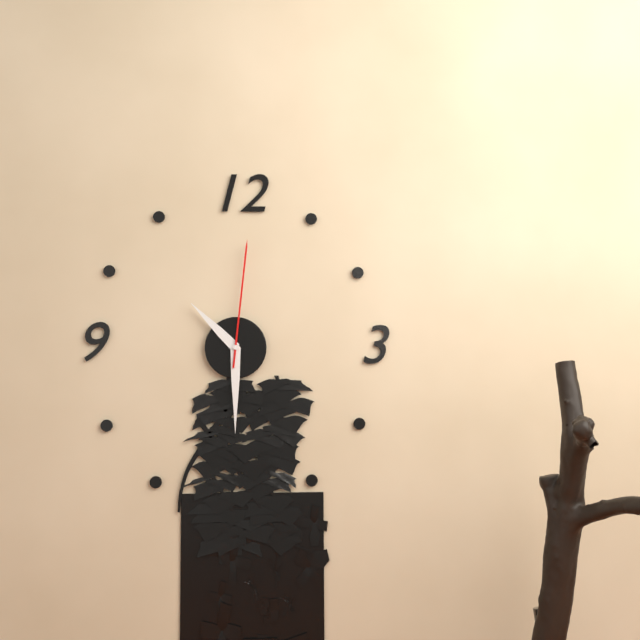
10:30:01
